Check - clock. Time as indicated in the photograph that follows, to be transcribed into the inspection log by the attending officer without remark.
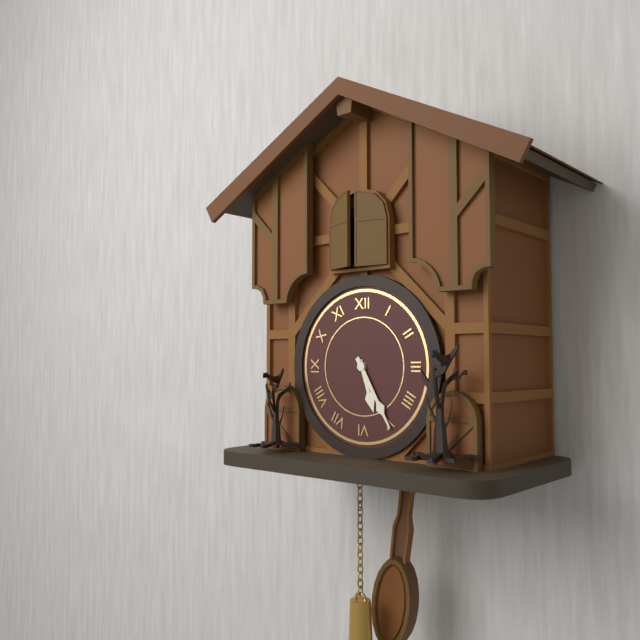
5:25
